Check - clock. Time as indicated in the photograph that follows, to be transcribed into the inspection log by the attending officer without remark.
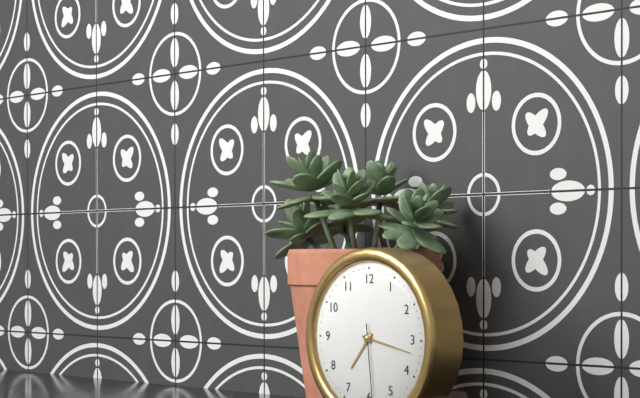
7:17
